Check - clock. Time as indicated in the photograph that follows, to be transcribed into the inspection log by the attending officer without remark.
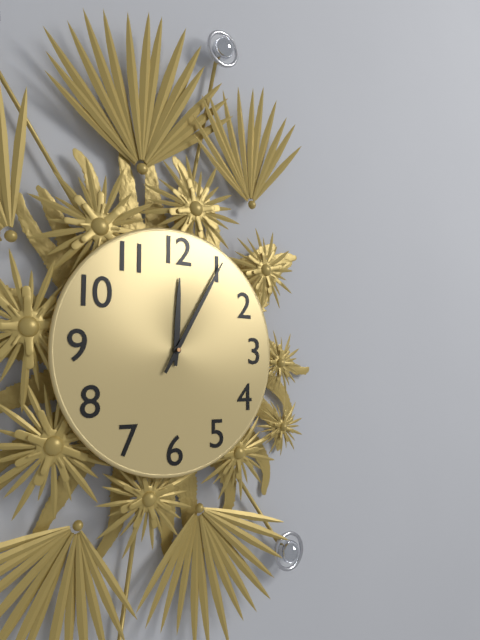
12:05
